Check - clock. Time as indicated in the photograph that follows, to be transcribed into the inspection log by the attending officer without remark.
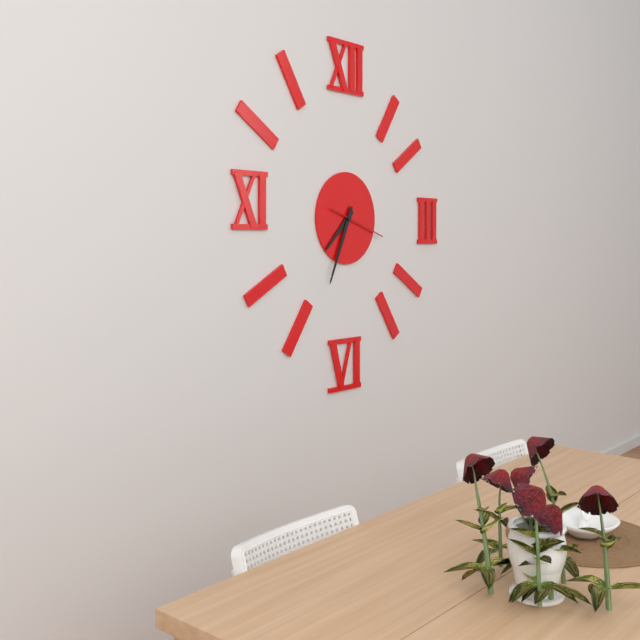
7:34:18
